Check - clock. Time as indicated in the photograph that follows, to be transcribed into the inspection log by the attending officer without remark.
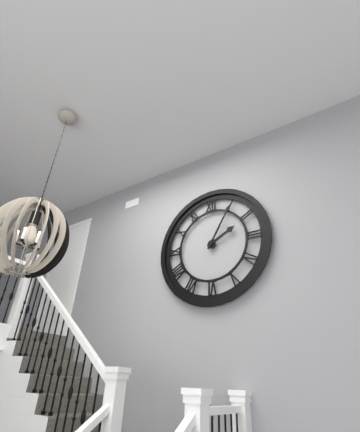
2:05
